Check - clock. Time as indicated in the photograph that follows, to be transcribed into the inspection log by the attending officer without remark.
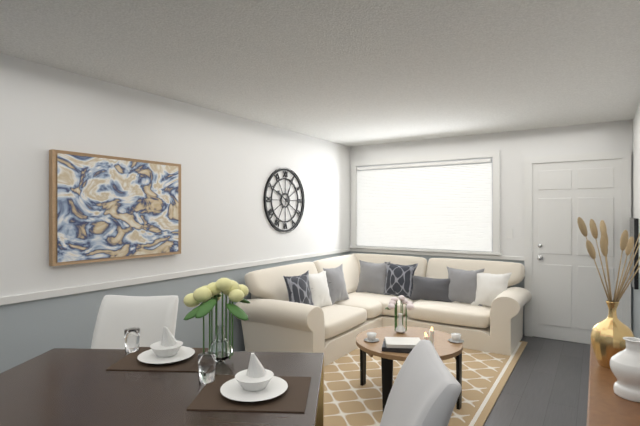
10:04
